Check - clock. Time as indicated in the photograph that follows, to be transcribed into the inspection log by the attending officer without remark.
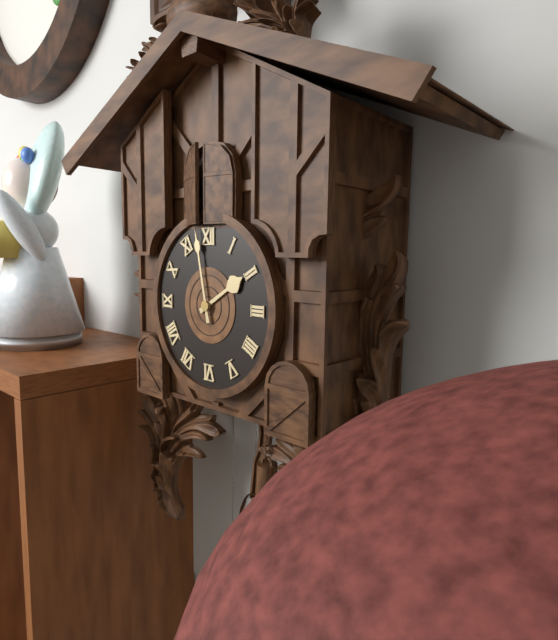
1:58
